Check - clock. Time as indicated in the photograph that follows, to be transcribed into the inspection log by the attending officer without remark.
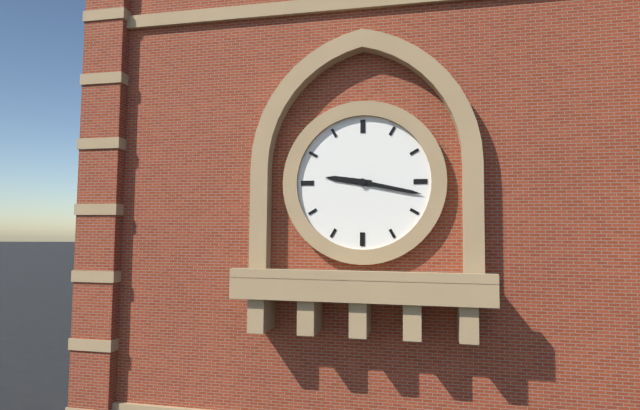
9:17
